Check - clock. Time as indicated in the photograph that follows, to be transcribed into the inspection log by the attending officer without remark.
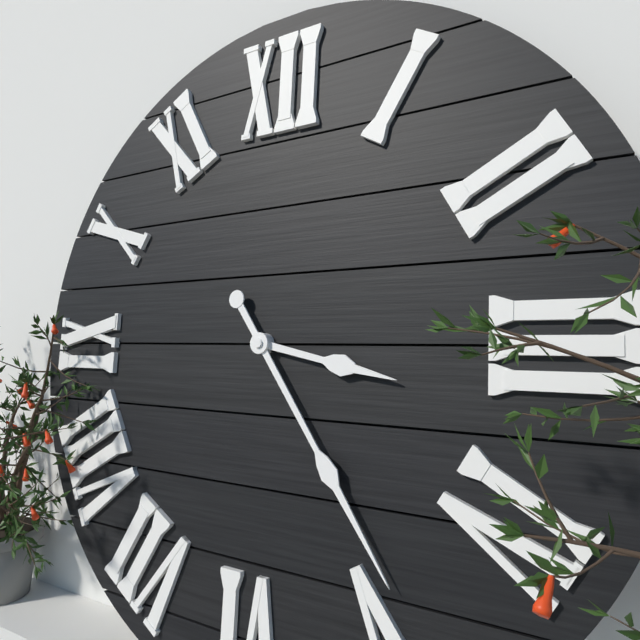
3:24
